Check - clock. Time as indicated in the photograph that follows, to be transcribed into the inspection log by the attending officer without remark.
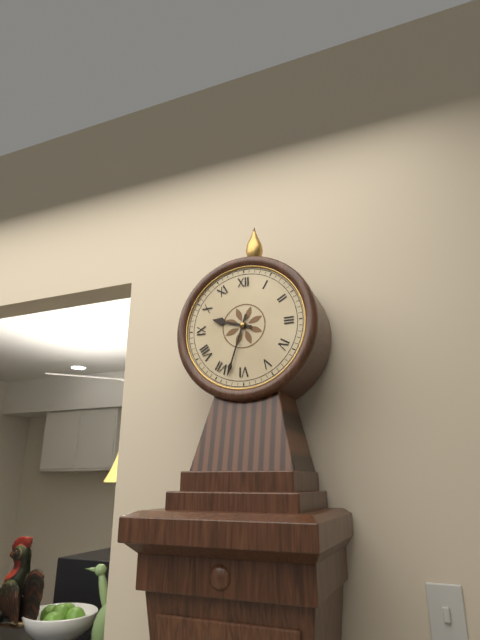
9:33
